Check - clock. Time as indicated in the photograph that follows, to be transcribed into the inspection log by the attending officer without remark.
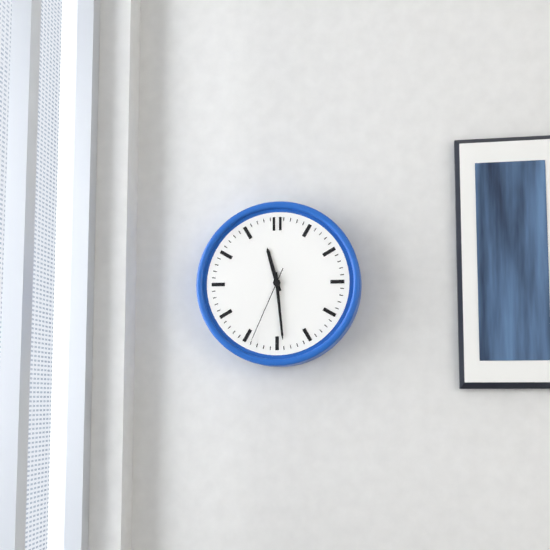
11:29:34
